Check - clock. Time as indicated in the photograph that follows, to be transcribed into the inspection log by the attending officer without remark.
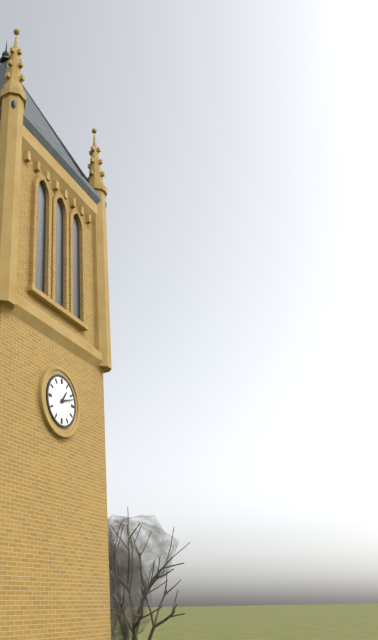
1:12
